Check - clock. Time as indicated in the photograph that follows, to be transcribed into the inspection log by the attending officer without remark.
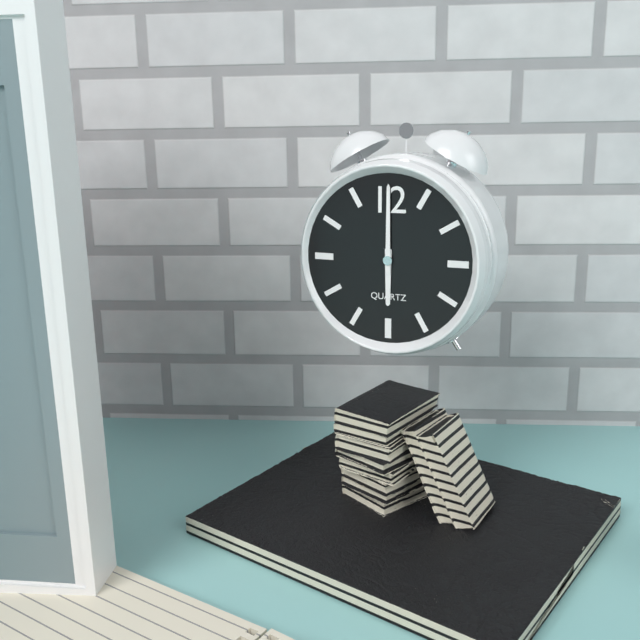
6:00
